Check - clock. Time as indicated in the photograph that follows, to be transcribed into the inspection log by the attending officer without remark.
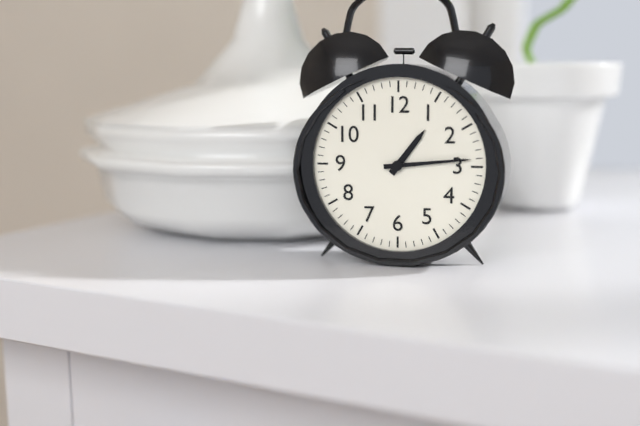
1:14
